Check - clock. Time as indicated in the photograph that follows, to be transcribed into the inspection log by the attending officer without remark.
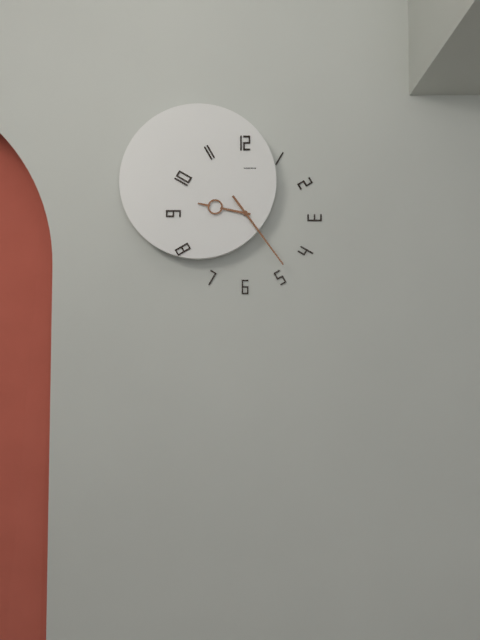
9:24
